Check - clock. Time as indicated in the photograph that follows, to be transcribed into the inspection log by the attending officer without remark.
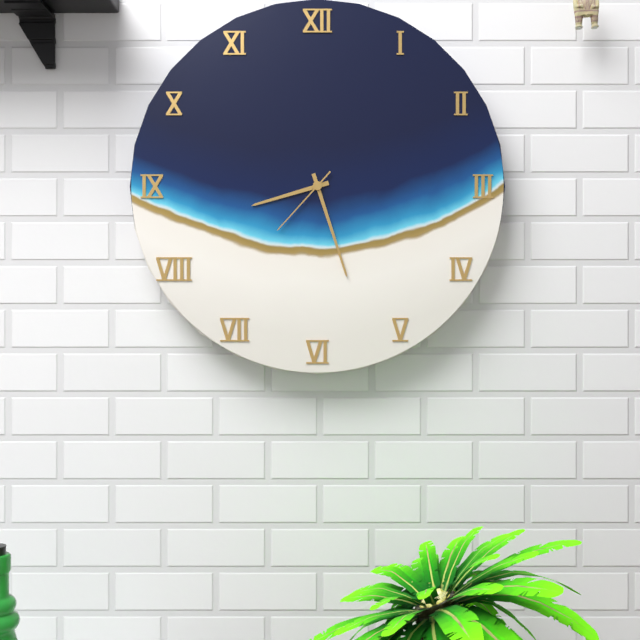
8:27:37
